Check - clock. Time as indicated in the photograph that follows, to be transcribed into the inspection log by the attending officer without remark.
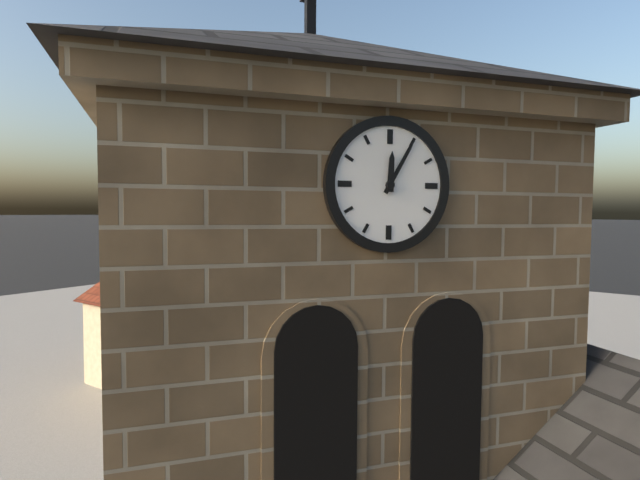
12:05
